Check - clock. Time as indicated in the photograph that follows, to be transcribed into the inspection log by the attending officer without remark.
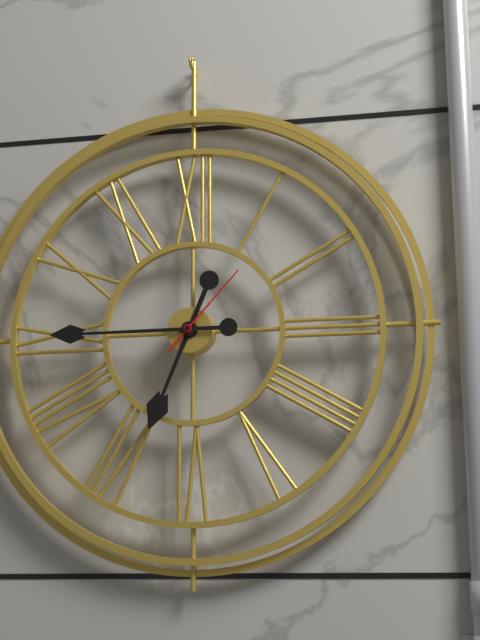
6:45:07
